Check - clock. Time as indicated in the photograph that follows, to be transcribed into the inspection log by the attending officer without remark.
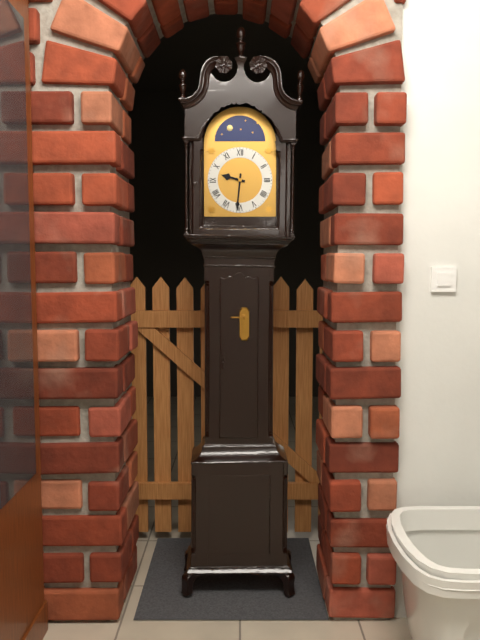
9:31
